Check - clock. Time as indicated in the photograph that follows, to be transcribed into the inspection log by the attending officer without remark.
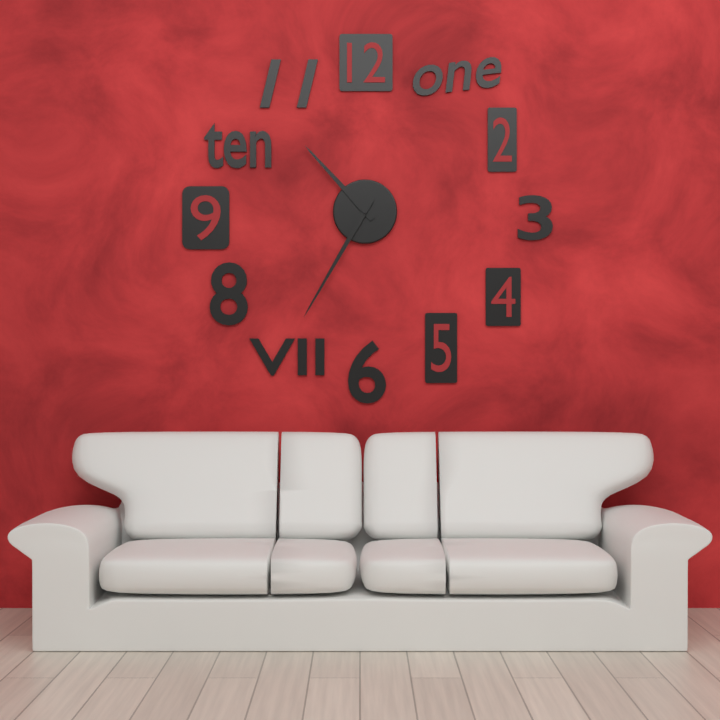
10:35
